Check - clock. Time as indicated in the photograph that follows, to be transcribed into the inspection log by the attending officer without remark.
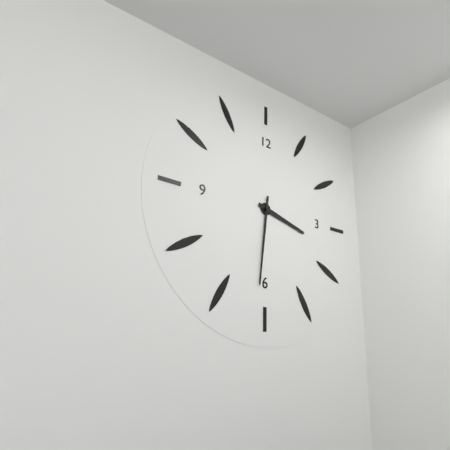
3:31
